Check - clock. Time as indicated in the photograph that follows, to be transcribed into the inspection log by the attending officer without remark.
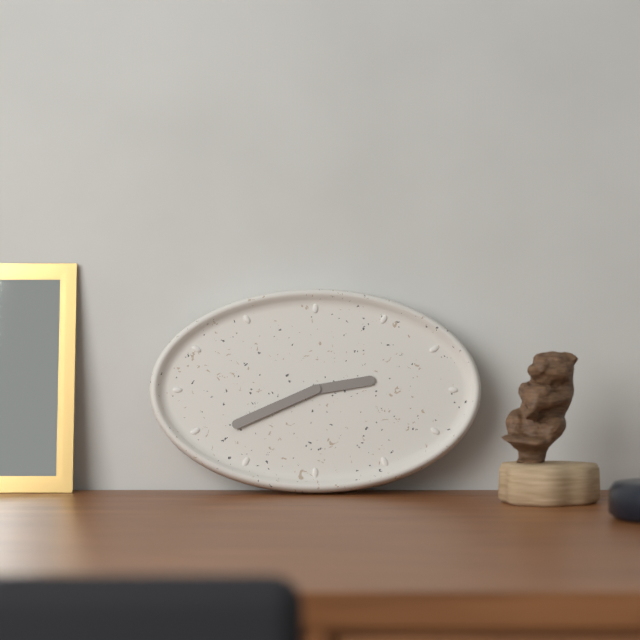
2:41
